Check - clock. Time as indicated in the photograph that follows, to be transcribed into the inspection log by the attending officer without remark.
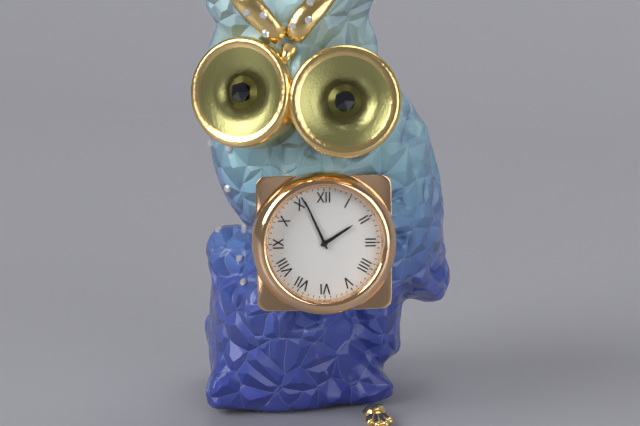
1:56
